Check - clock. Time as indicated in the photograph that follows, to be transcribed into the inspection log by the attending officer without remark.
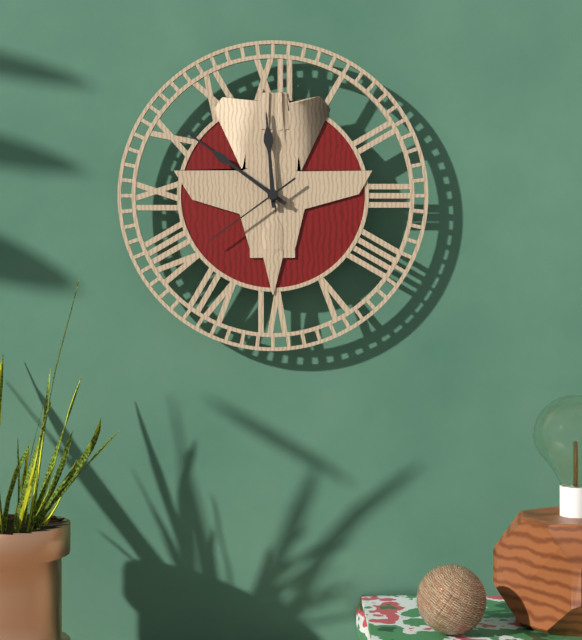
11:51:39
